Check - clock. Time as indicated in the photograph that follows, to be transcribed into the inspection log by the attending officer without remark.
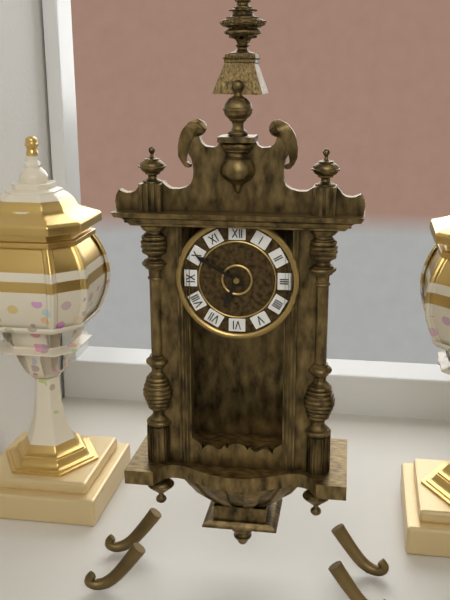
6:50
